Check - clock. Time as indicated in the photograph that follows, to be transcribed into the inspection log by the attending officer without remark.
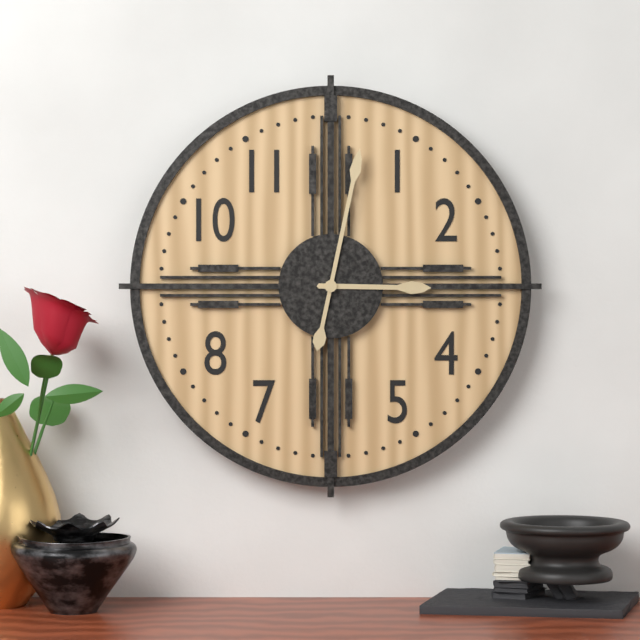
3:02
